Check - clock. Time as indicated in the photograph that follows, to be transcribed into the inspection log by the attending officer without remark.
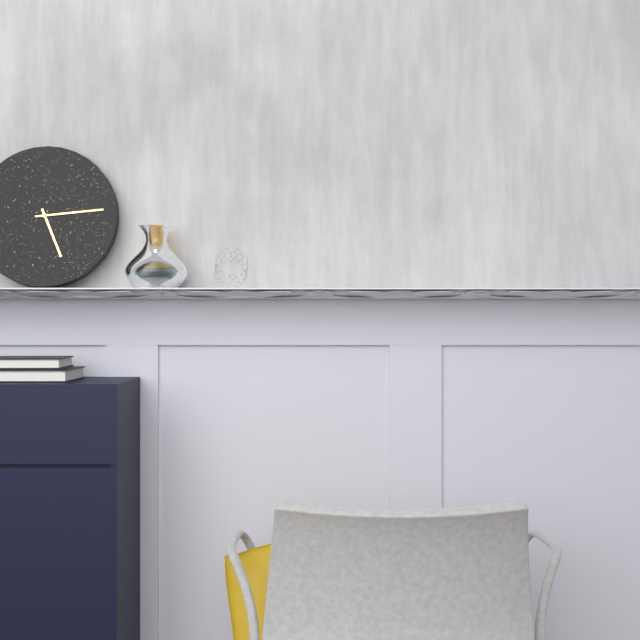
5:14
